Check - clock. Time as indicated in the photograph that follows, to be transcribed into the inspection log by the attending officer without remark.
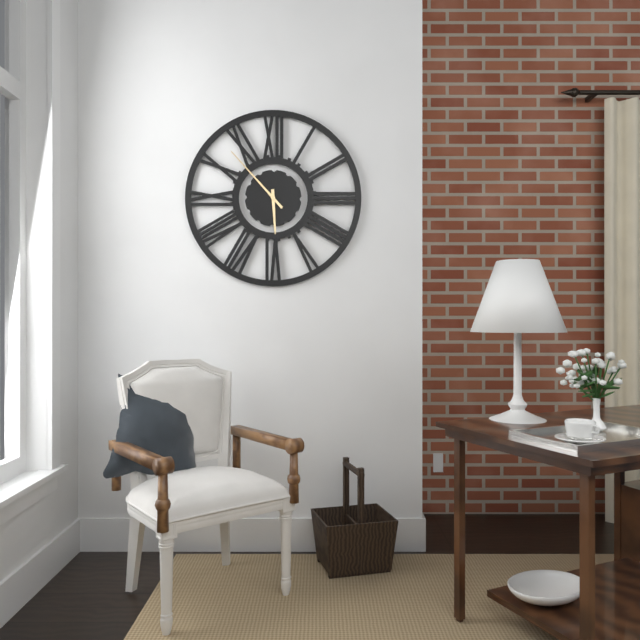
5:53
